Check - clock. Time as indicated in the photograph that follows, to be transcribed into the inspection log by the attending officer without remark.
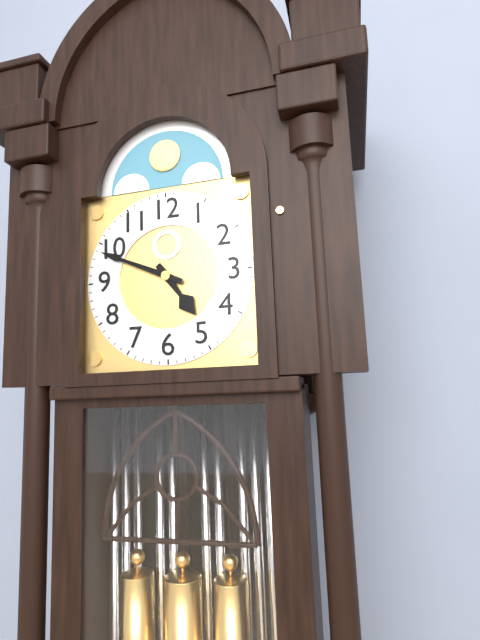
4:49
